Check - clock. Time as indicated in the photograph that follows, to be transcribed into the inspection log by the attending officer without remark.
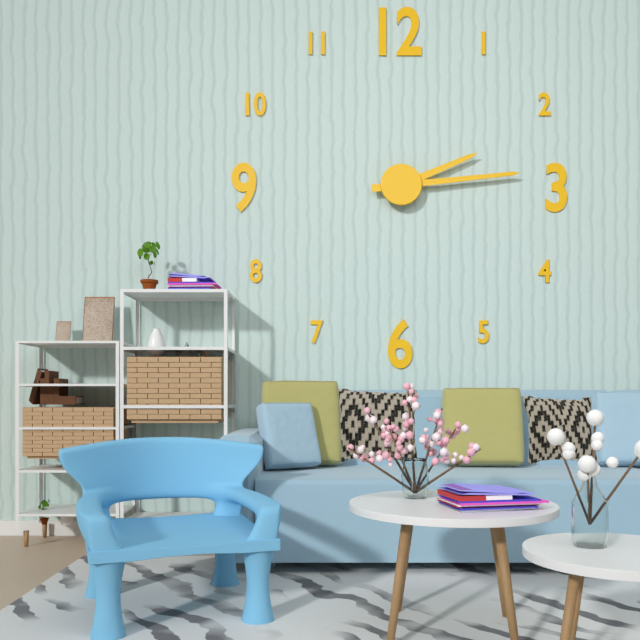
2:14
